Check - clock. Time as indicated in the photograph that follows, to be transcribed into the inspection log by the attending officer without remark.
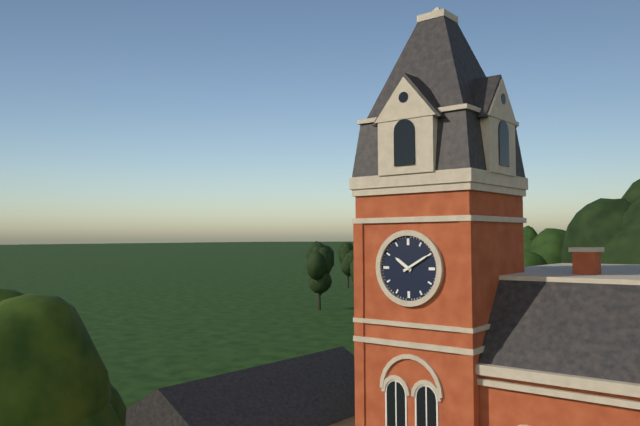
10:10
